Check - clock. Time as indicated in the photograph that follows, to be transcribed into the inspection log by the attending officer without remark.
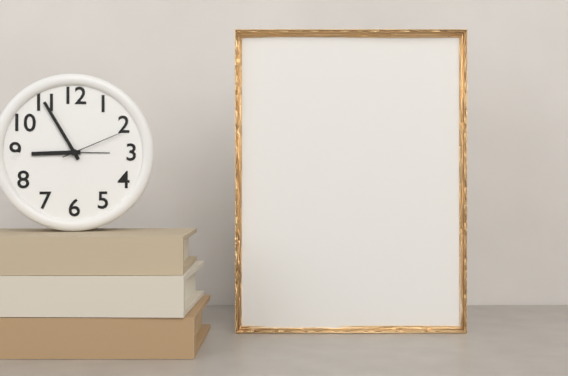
8:55:11
